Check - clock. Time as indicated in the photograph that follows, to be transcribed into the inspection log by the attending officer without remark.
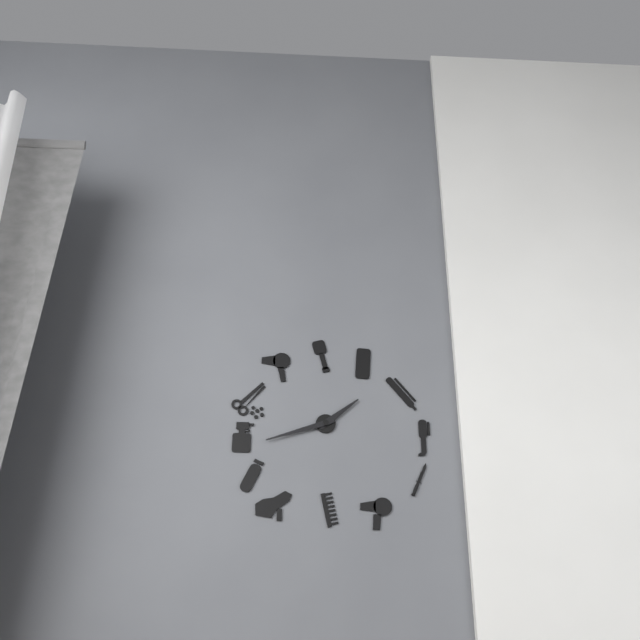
1:42
